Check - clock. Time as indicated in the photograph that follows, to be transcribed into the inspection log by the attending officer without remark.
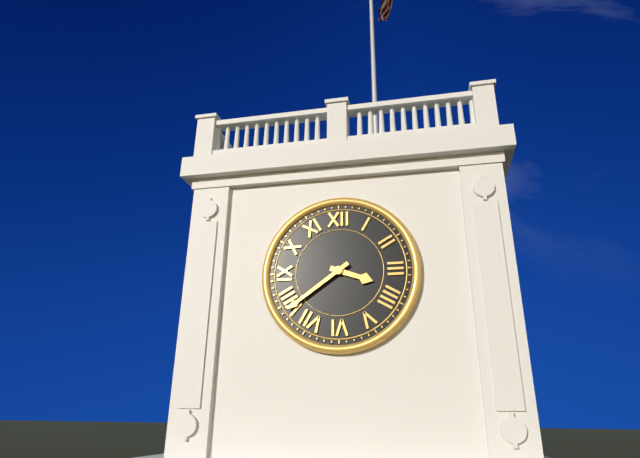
3:39
